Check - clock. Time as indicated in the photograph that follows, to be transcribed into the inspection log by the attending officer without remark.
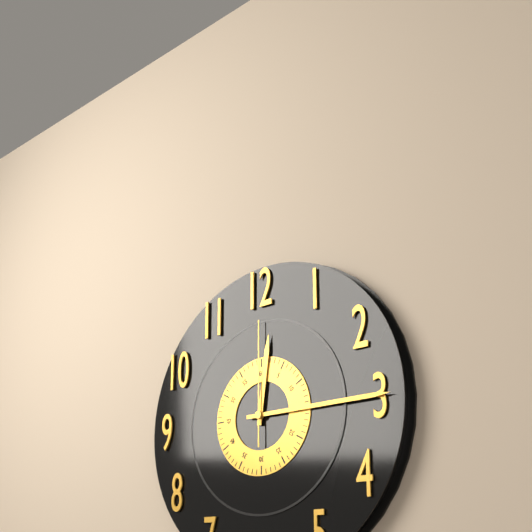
12:15:00
